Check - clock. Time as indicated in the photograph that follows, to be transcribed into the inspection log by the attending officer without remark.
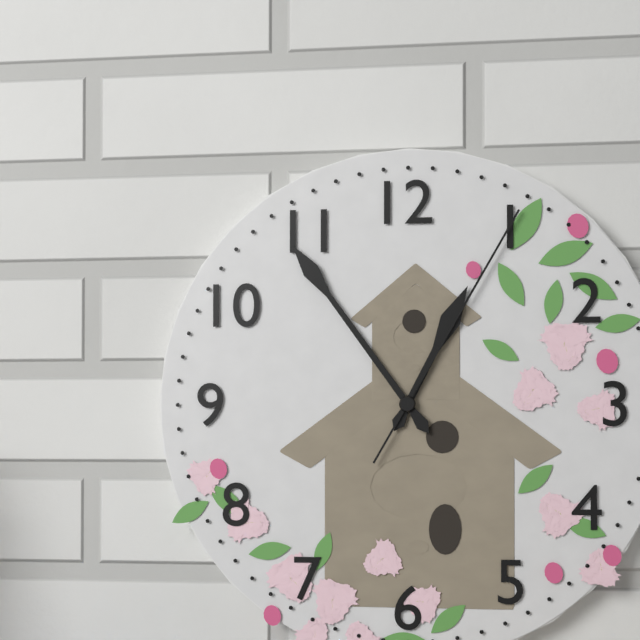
12:54:05
